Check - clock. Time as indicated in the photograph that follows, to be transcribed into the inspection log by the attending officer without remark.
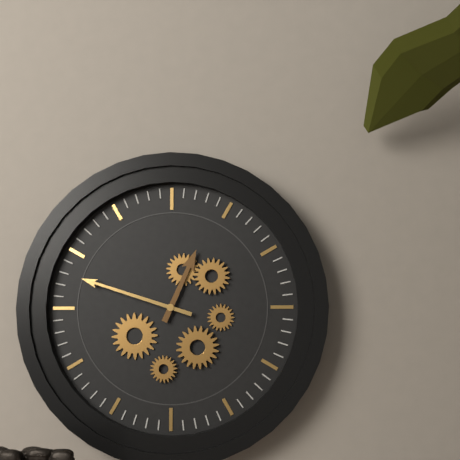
12:48
